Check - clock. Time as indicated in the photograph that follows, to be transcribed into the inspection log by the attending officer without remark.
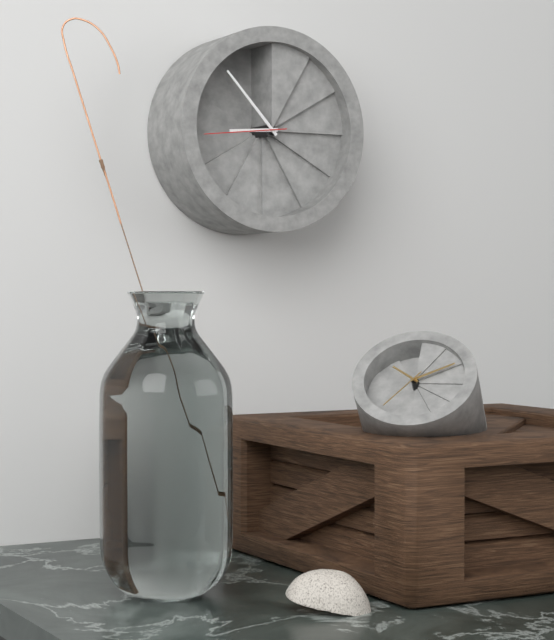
8:53
